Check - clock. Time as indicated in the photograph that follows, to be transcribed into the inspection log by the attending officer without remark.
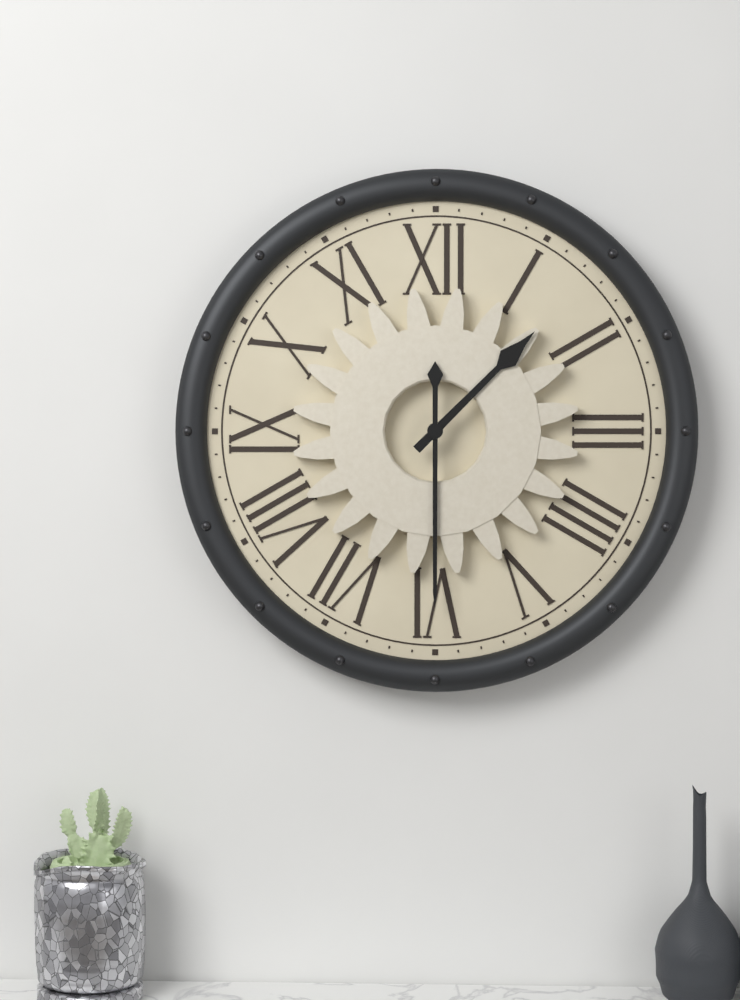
1:30
